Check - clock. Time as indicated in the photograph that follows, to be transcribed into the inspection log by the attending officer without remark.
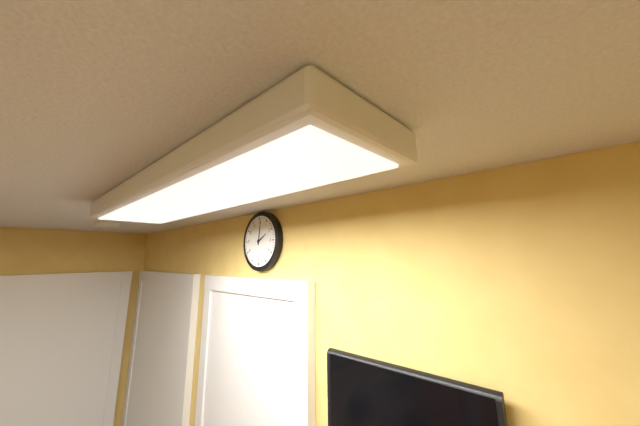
2:01
